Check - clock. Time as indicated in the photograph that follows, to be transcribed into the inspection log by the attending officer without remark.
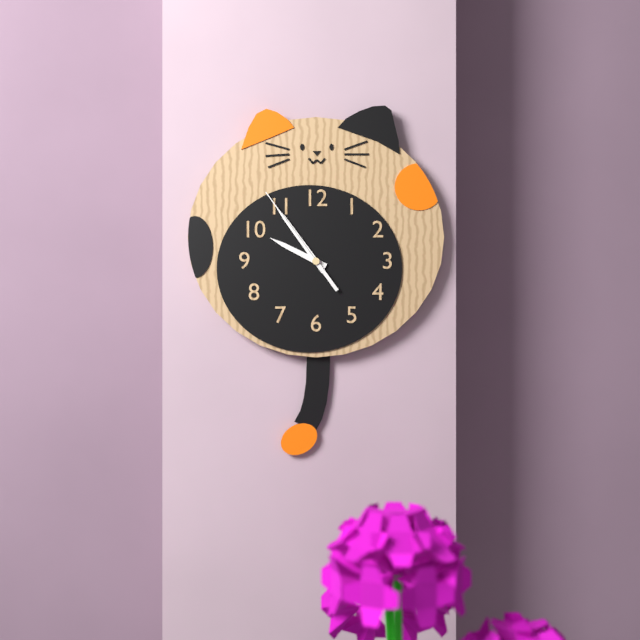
9:54:54
